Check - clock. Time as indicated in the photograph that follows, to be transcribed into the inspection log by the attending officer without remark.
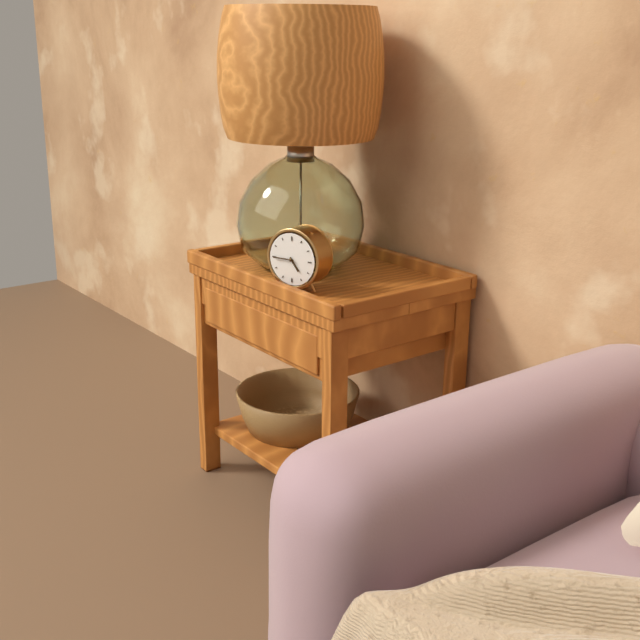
4:45
